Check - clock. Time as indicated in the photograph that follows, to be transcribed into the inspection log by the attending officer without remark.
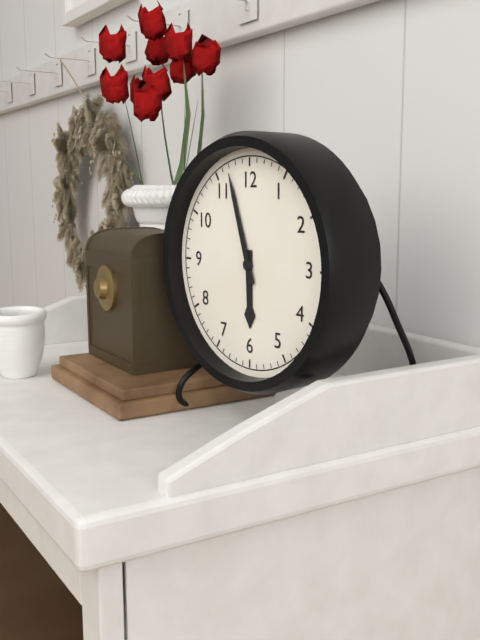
5:57
